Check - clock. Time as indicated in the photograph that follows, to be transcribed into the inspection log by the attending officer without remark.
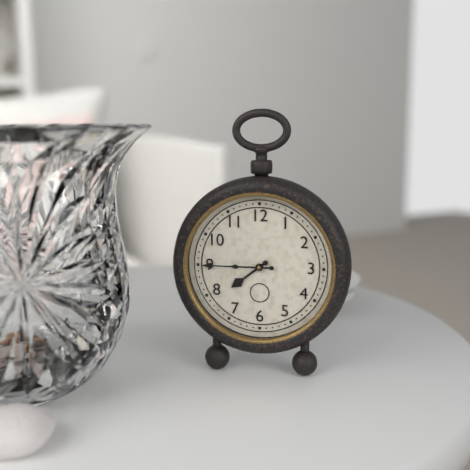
7:45
